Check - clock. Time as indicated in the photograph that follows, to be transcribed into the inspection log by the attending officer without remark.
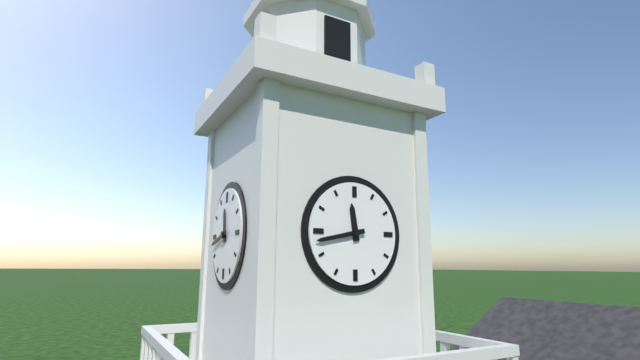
11:43
